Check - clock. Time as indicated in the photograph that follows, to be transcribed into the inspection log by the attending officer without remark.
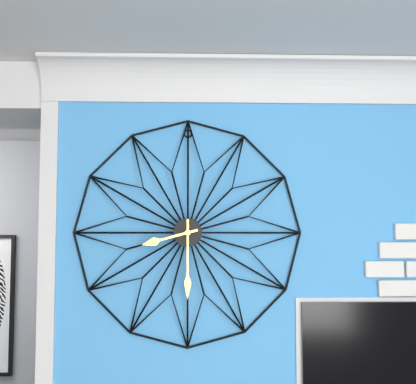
8:30
